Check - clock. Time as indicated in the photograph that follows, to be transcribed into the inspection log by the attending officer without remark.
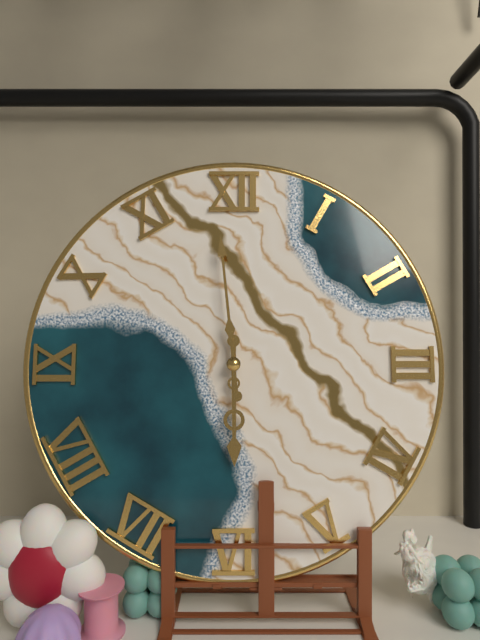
5:59
